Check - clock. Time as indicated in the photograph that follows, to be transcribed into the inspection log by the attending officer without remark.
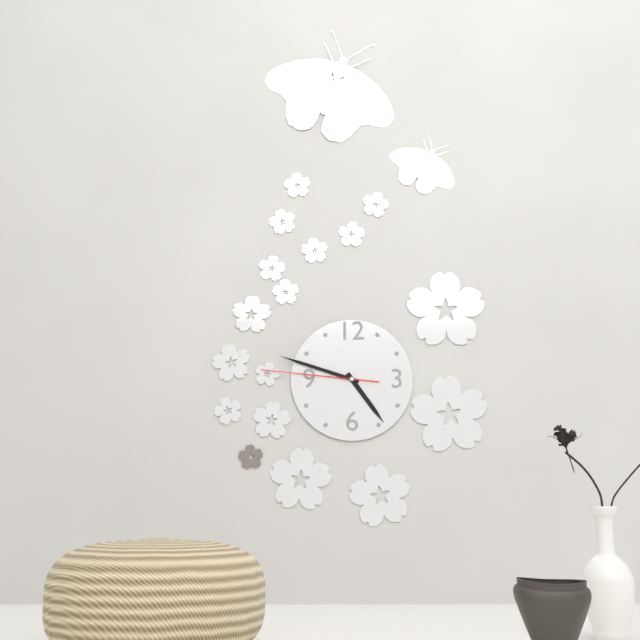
4:48:46
